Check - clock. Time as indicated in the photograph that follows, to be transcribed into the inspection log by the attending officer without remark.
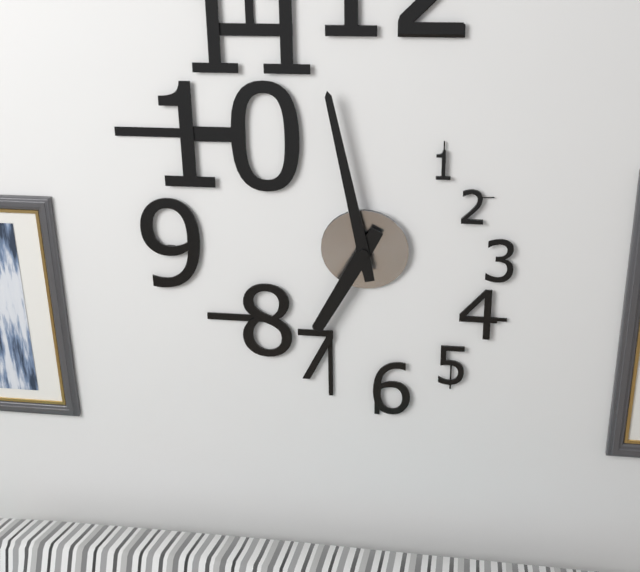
6:58
